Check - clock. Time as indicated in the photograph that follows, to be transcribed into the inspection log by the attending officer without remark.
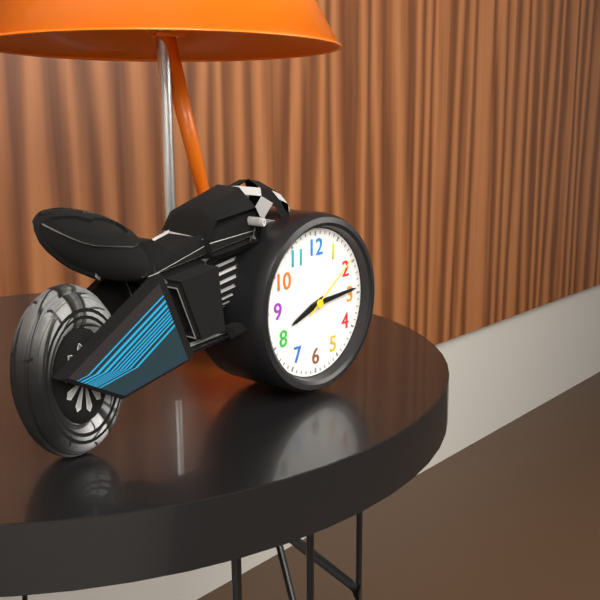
8:14:09
